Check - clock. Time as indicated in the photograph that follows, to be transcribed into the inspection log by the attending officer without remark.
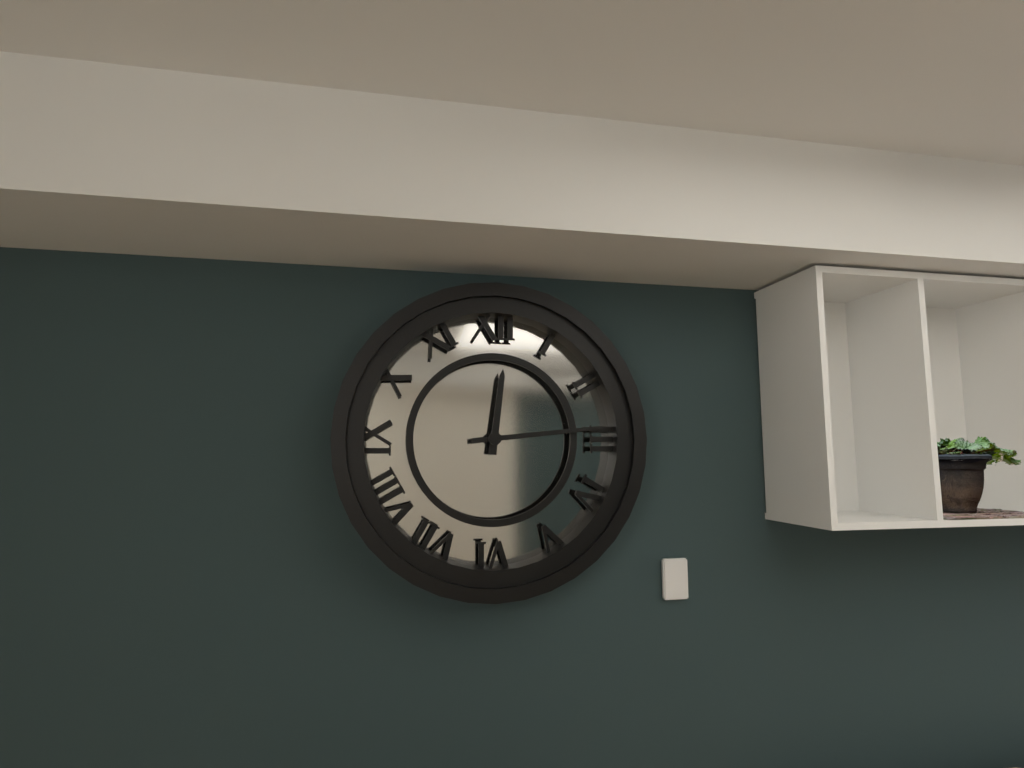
12:14
